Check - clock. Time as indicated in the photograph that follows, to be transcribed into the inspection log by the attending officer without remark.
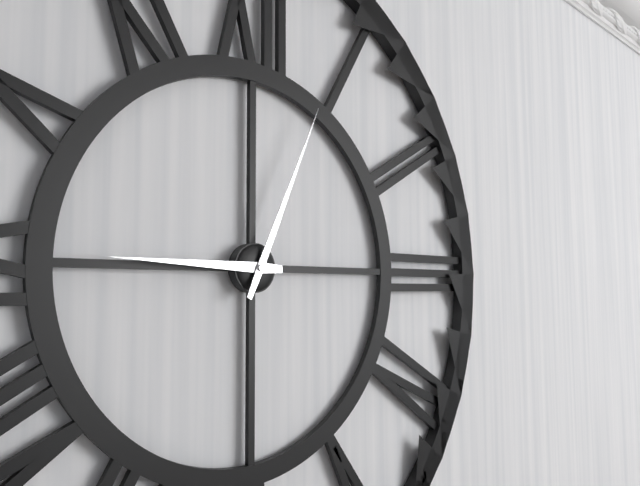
9:04
